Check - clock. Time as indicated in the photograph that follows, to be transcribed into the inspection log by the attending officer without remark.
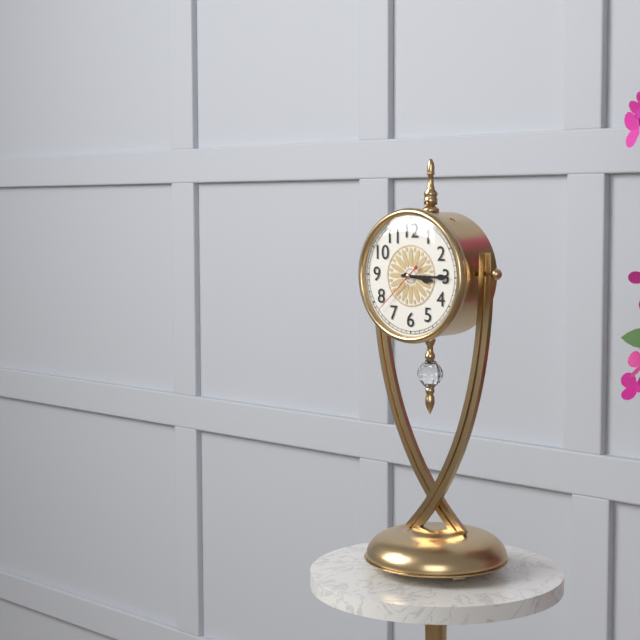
3:15:38
